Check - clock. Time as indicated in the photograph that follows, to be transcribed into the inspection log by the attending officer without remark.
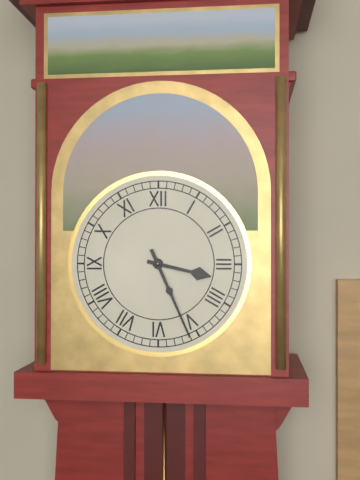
3:26
